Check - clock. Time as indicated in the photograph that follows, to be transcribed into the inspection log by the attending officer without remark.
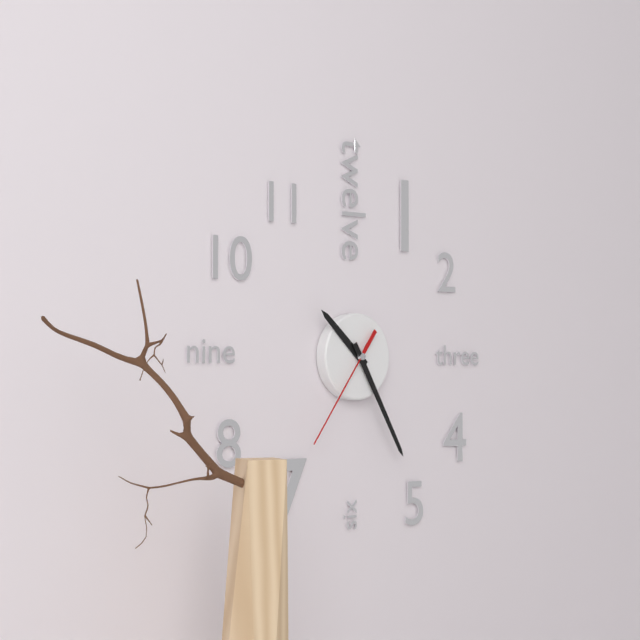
10:25:36
